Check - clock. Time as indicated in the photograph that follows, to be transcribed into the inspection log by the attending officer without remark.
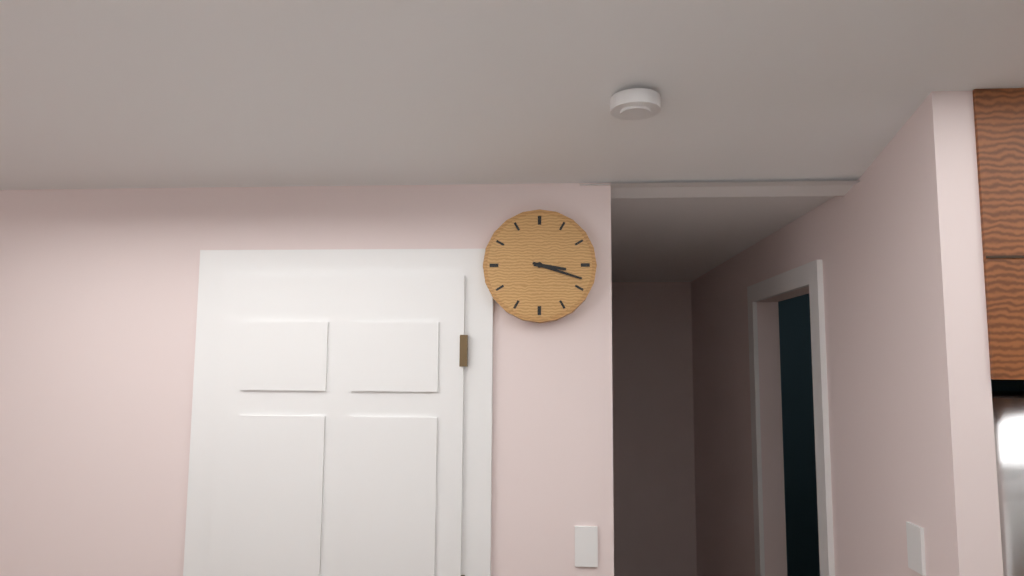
3:18
